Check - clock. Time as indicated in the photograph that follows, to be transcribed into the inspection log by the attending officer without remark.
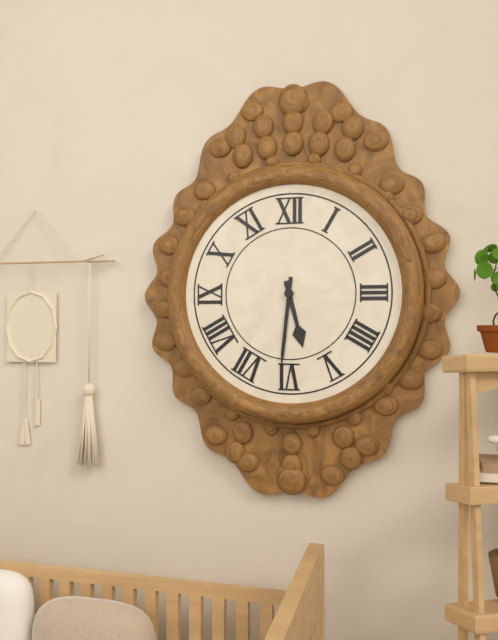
5:31
